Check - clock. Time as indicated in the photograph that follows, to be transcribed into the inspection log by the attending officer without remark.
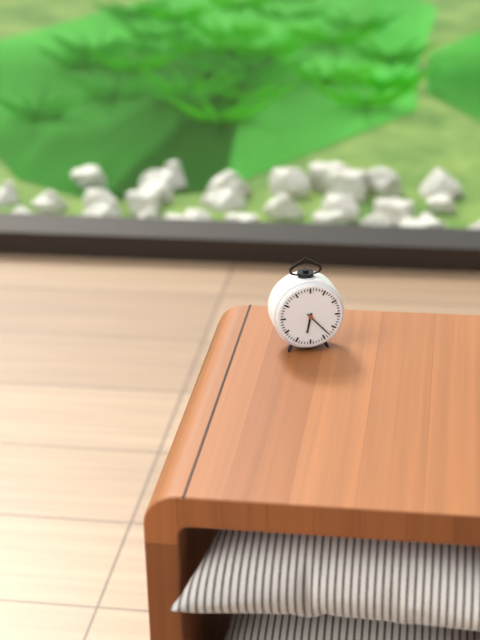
6:23
